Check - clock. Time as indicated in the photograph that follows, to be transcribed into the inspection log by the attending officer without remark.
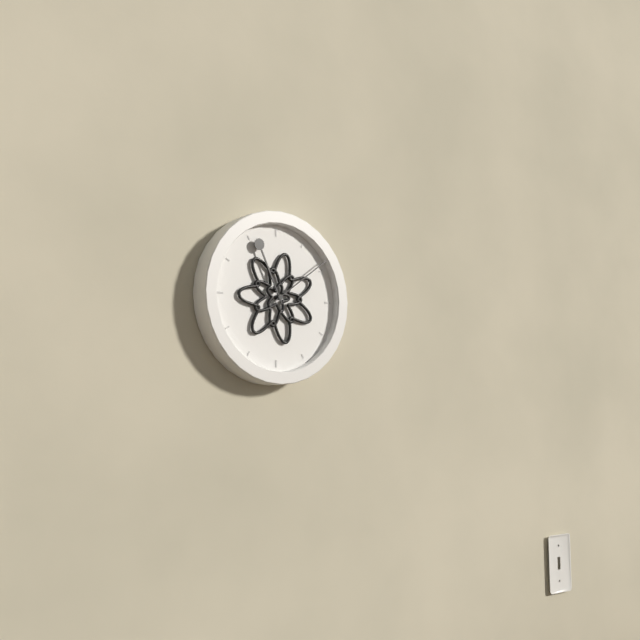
11:09
